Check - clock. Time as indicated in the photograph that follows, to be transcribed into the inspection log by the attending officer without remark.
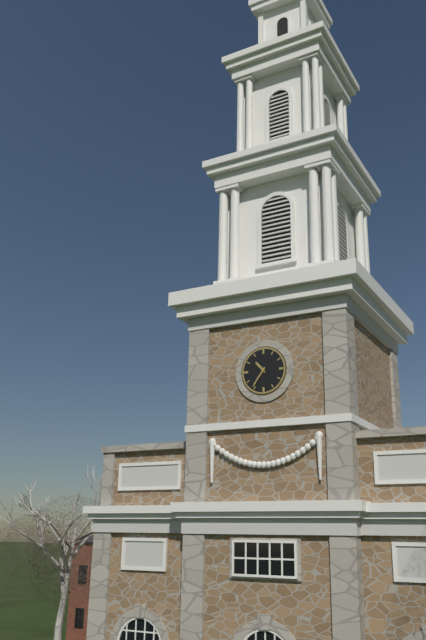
10:36
